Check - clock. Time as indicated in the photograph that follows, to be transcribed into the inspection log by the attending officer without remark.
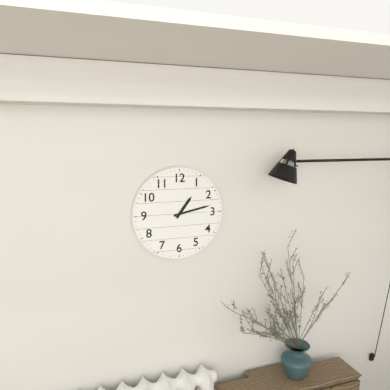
1:13
